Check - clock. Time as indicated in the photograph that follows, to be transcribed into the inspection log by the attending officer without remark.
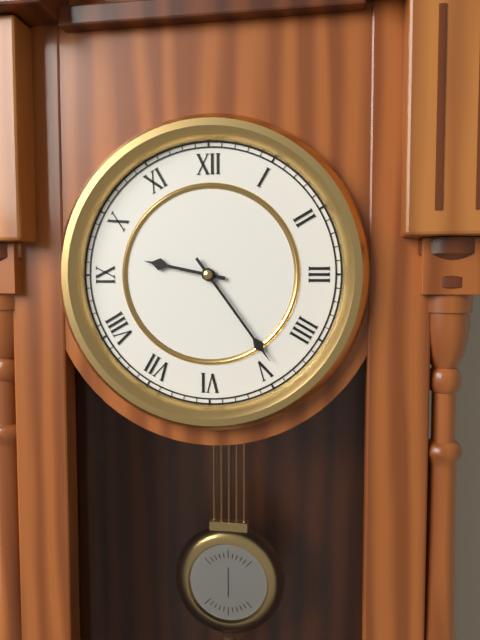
9:24
